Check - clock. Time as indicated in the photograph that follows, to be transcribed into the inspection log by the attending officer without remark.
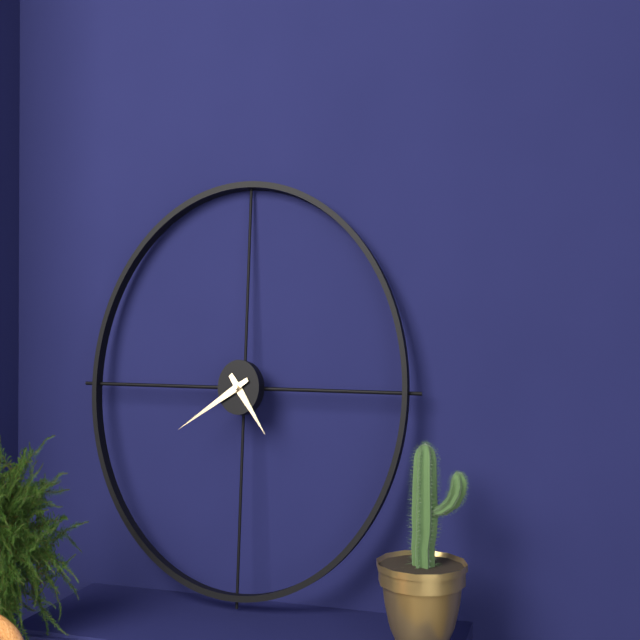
4:40
